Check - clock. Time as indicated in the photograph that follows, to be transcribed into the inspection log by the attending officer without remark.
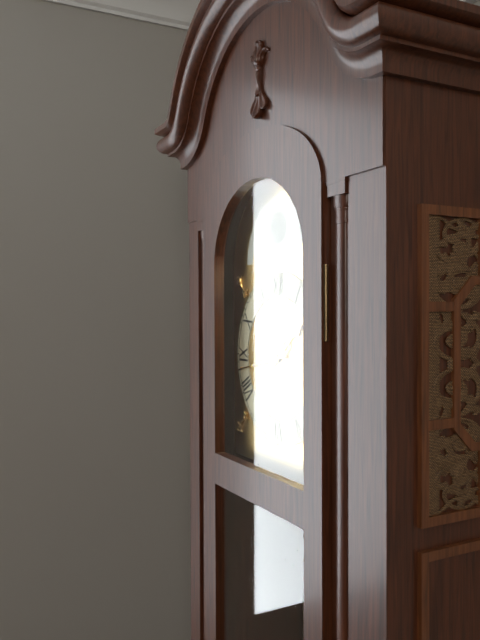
1:43
